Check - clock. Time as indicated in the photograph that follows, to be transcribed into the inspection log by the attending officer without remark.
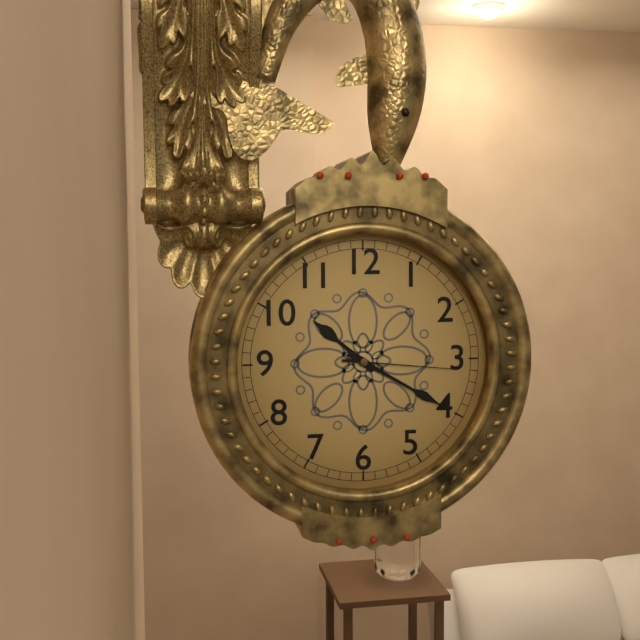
10:20:16
